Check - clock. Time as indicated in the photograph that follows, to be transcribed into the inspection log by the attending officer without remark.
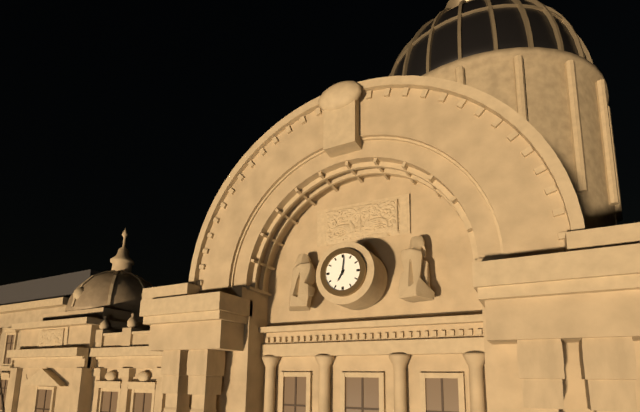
7:01
